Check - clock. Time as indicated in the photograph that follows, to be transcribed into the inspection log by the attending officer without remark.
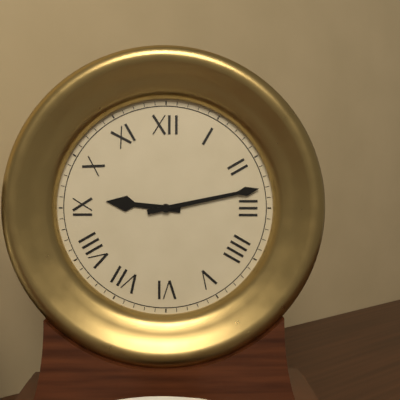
9:13
